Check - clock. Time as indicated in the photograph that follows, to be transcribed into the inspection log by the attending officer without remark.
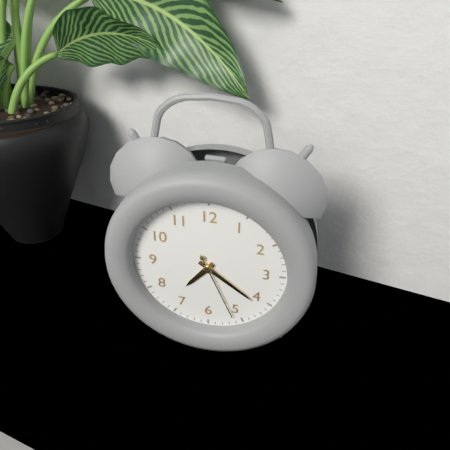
7:21:26
